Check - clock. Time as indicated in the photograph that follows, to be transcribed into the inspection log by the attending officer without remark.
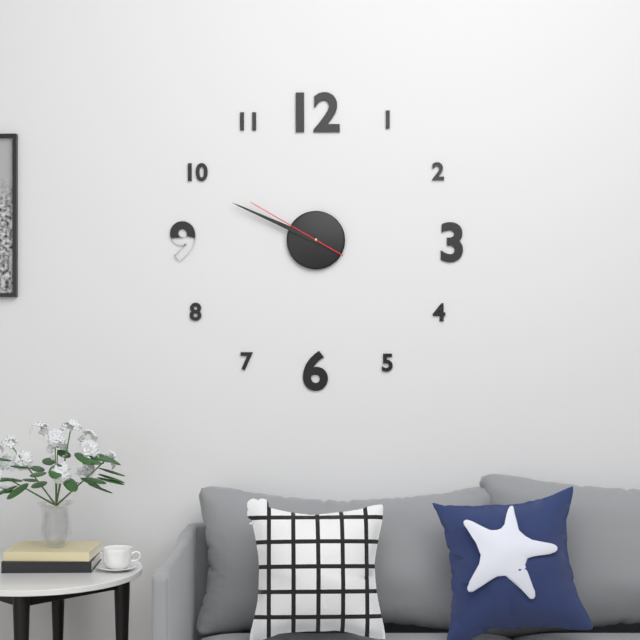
9:49:50
